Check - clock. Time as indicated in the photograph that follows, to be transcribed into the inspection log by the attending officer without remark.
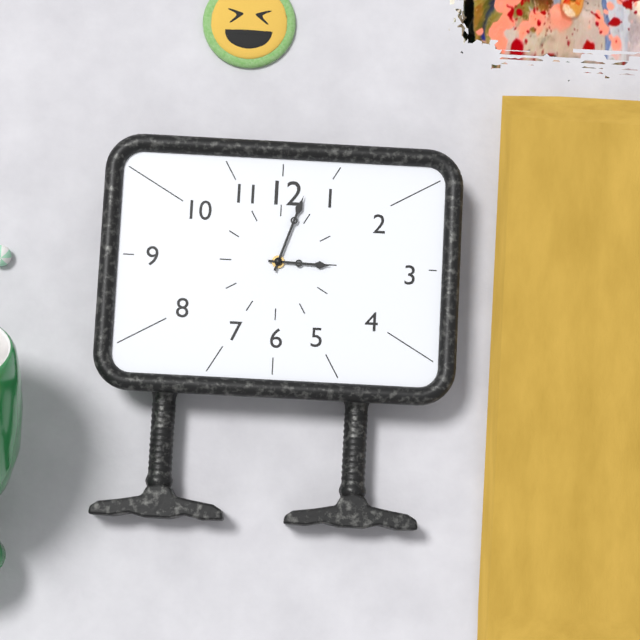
3:03
